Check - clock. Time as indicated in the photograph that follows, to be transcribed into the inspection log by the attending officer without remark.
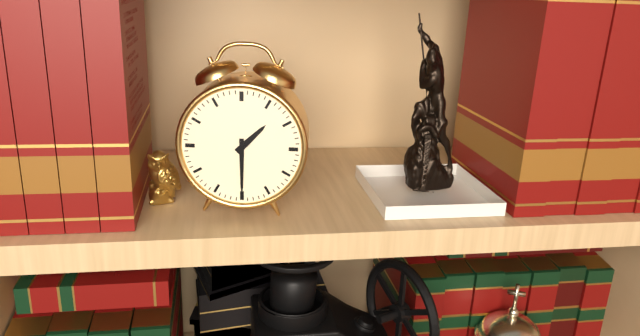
1:30
